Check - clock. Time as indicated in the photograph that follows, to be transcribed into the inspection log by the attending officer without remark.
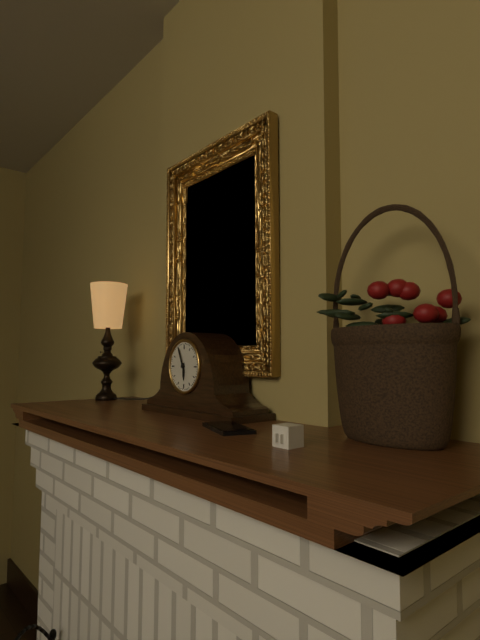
5:56
